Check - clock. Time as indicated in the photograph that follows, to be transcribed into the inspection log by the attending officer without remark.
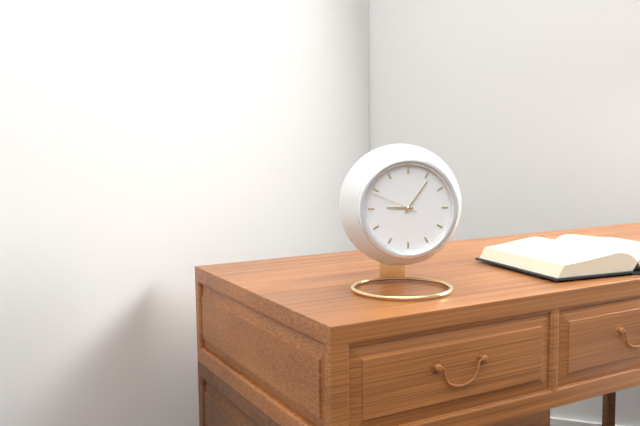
9:06:49
